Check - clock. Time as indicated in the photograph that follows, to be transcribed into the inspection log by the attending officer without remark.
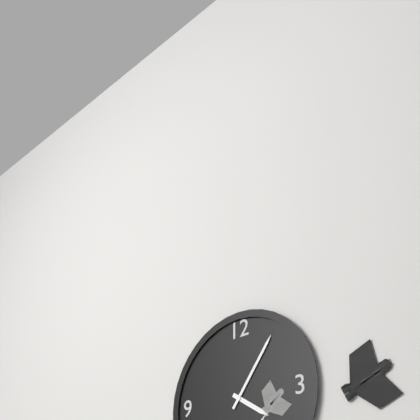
4:06
